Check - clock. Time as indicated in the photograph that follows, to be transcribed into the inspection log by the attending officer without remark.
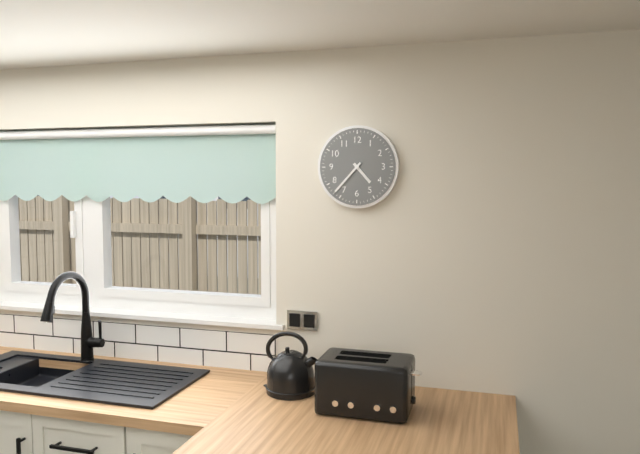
4:37
